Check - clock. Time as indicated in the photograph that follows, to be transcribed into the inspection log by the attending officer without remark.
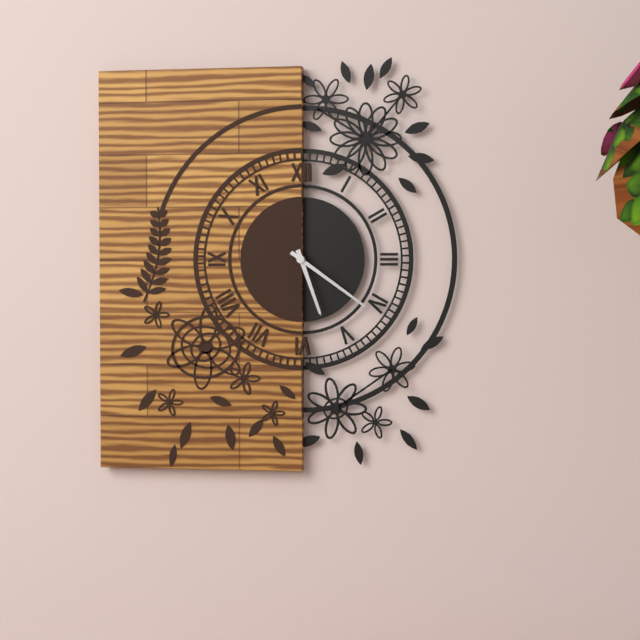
5:21
